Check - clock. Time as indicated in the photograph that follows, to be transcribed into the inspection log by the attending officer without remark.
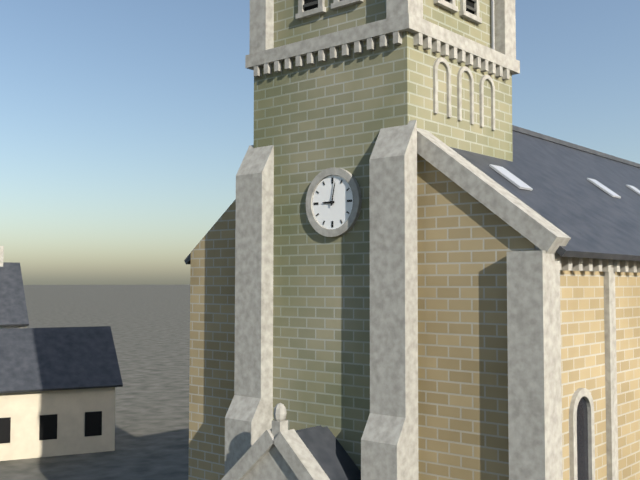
9:02
